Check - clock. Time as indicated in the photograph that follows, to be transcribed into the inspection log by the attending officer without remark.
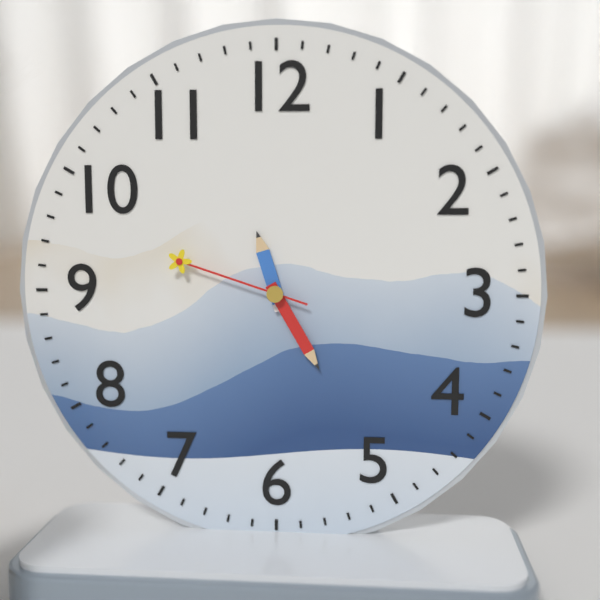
11:25:48
